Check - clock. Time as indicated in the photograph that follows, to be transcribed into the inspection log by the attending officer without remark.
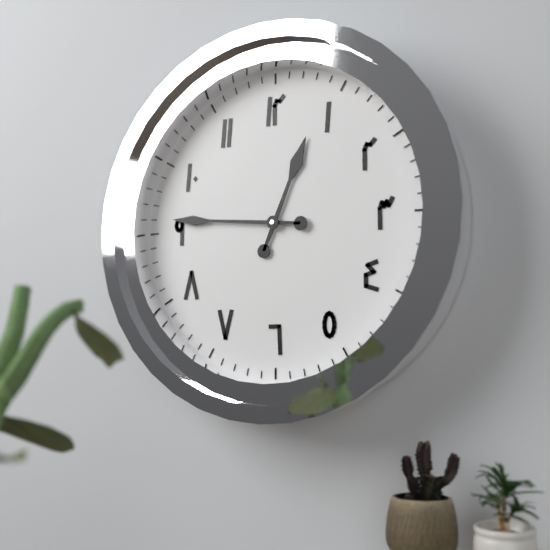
12:46
